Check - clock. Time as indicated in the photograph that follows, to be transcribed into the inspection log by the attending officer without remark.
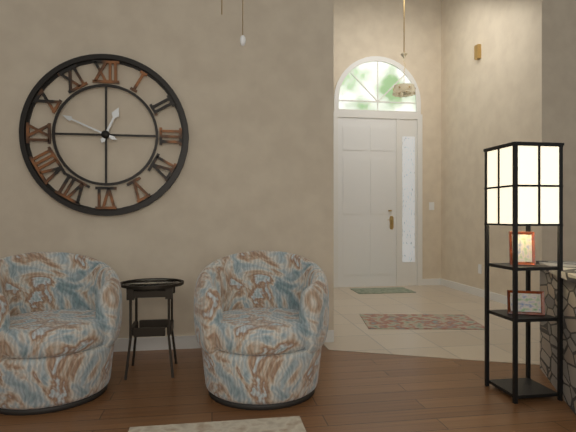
12:49
